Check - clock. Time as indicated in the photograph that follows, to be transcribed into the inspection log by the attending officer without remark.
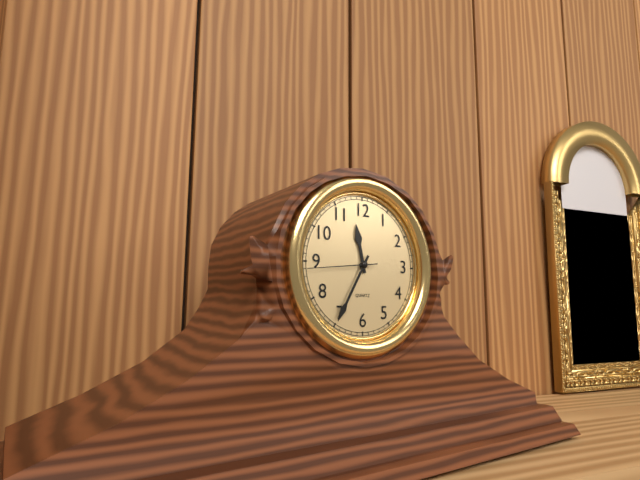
11:35:44
